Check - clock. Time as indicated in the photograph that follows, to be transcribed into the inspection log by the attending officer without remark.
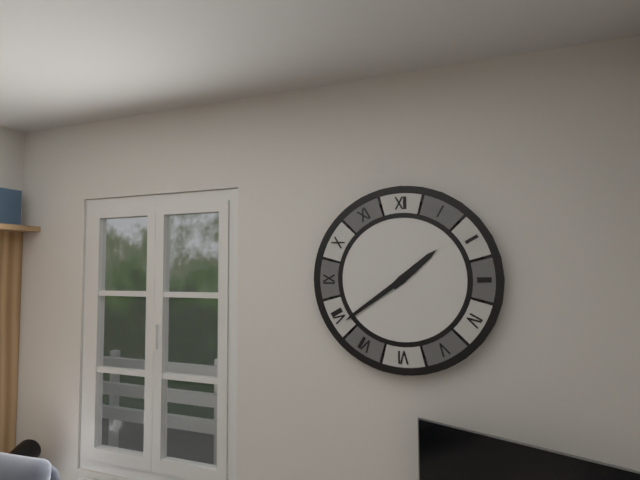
1:39
